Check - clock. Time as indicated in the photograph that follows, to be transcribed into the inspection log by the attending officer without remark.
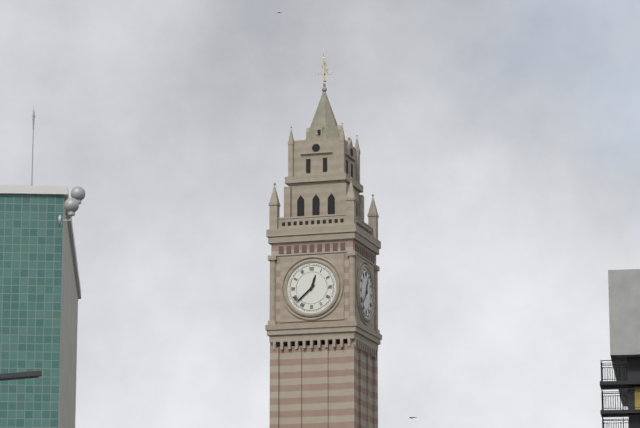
12:38
